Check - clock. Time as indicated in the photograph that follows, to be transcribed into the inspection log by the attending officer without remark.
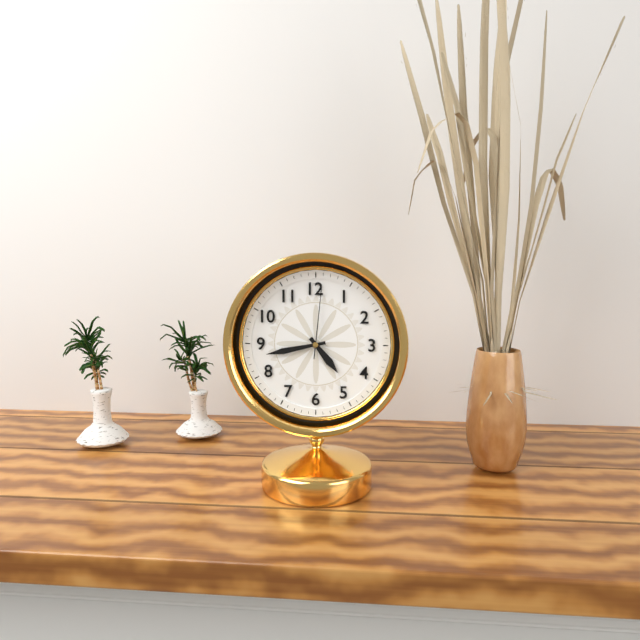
4:43:01
